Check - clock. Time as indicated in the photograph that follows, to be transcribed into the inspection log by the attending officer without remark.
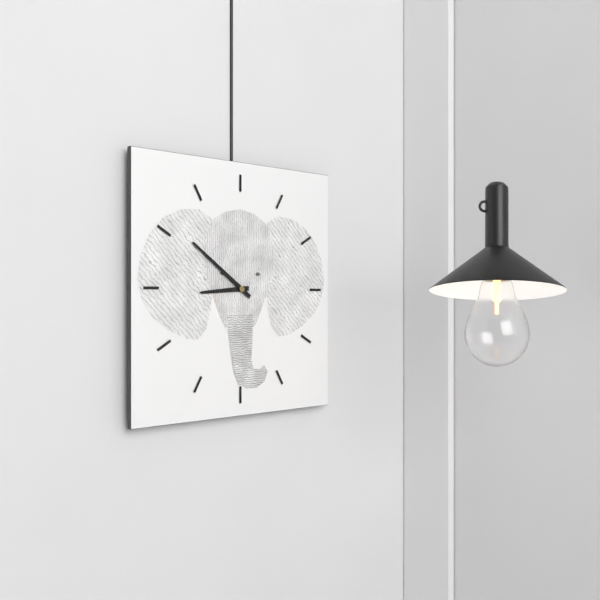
8:51
